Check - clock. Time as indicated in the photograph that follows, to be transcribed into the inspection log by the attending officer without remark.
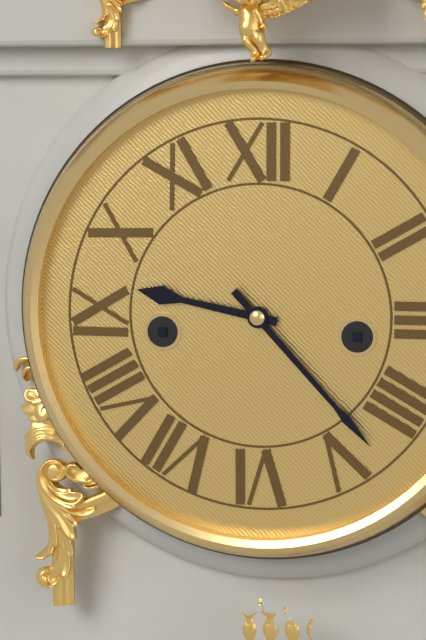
9:23
